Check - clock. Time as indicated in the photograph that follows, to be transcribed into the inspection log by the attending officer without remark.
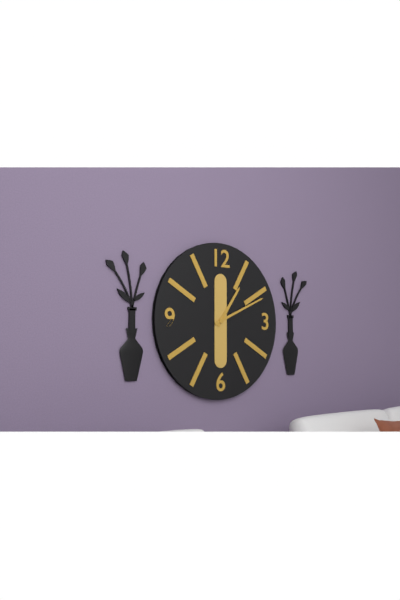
1:11
